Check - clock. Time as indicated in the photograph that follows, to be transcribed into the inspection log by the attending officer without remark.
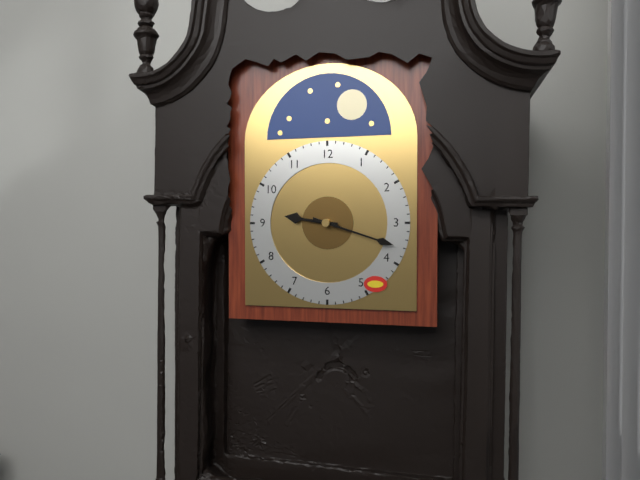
9:18
